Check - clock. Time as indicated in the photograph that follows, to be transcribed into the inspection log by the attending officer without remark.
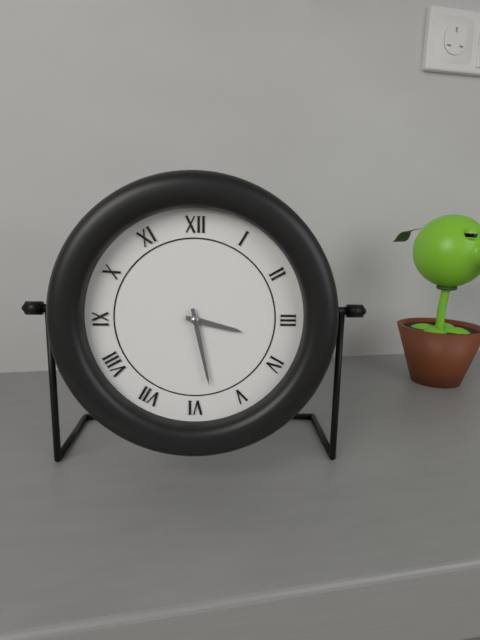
3:28
